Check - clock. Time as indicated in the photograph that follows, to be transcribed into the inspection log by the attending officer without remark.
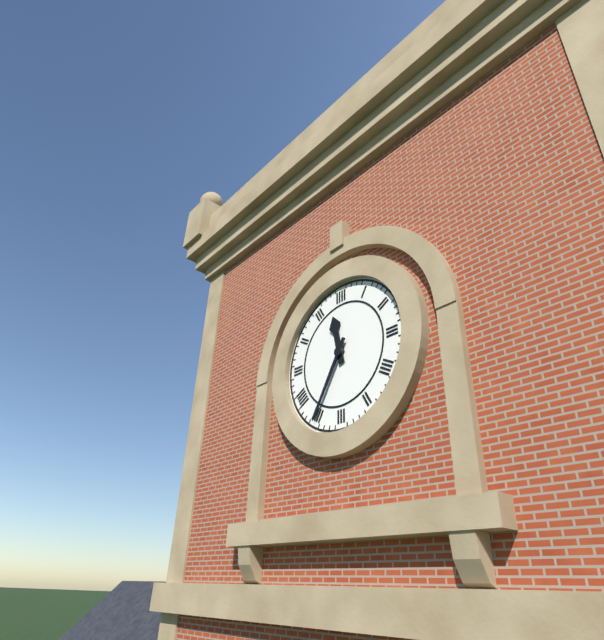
11:35
